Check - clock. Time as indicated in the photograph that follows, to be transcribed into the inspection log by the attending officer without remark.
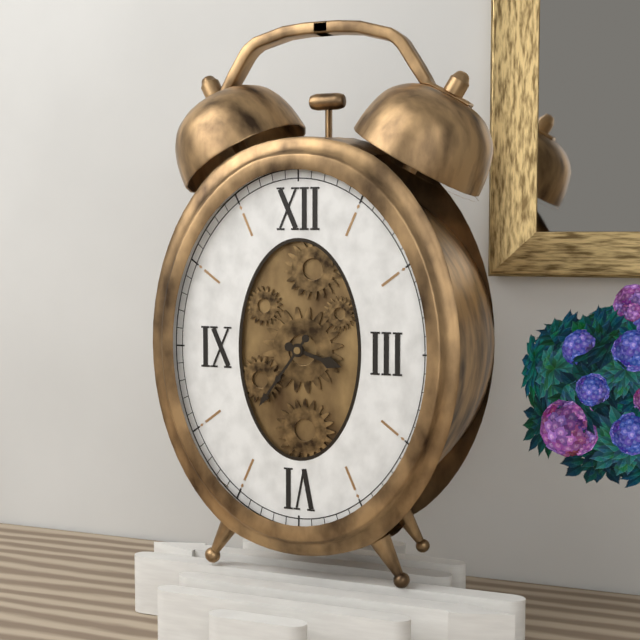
3:36
